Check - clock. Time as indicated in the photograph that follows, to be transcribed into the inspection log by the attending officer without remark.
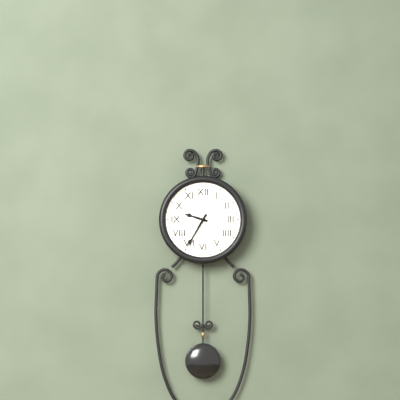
9:35
